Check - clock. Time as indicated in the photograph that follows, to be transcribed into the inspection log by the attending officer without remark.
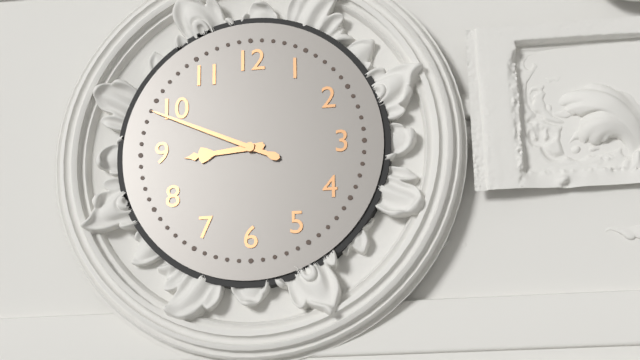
8:49
